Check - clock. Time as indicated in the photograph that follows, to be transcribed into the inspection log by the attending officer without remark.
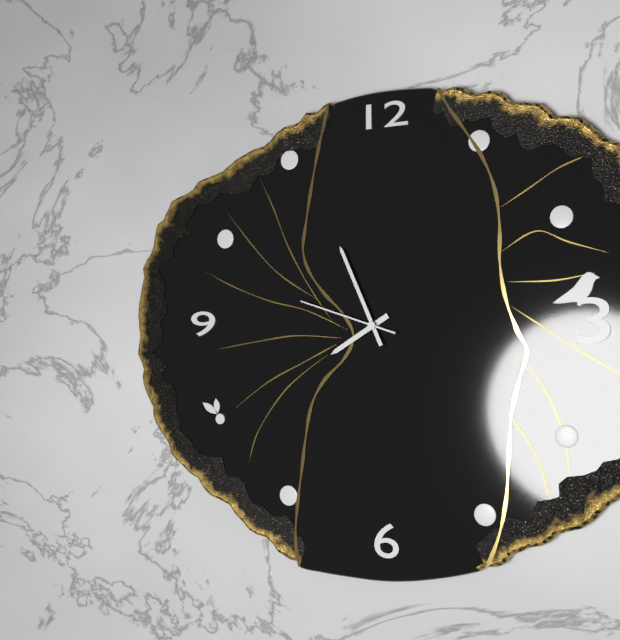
7:56:48
